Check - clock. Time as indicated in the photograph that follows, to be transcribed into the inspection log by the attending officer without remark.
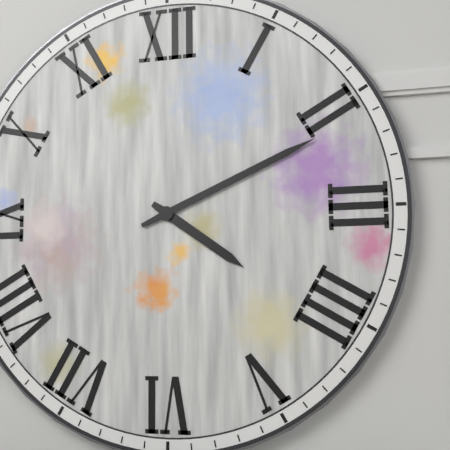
4:11
